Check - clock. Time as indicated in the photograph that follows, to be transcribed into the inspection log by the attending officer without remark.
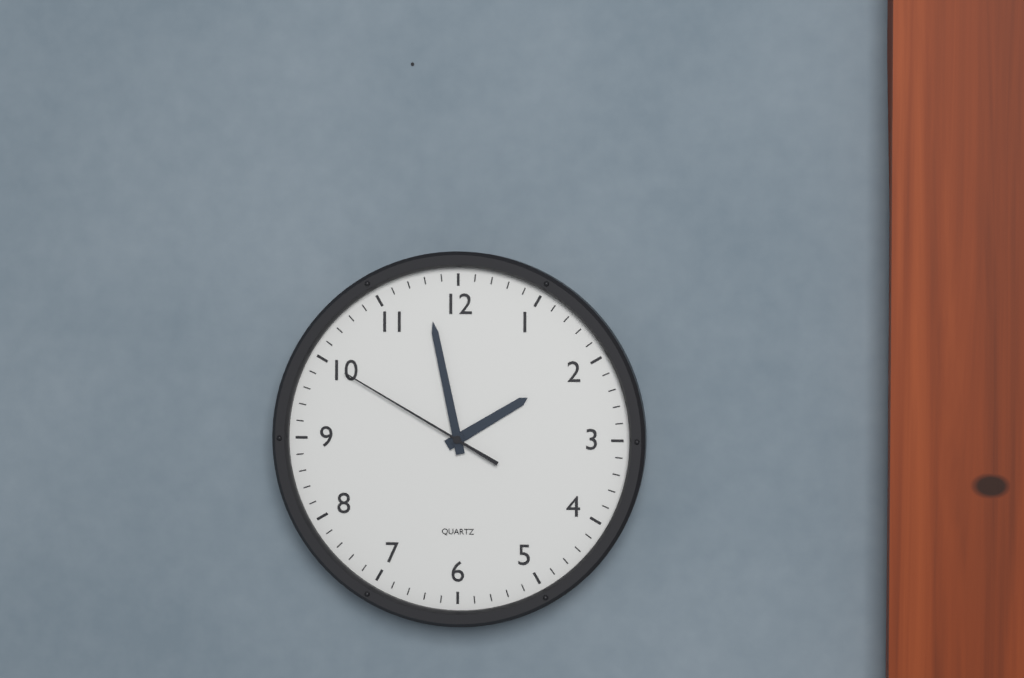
1:58:50
